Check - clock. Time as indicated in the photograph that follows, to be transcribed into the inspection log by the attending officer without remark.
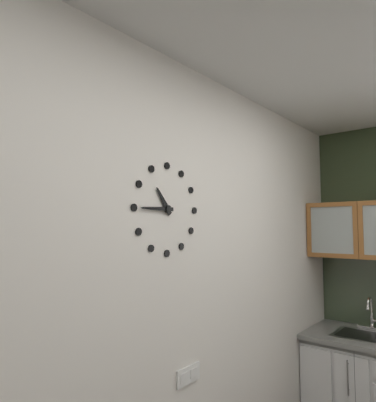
10:45
